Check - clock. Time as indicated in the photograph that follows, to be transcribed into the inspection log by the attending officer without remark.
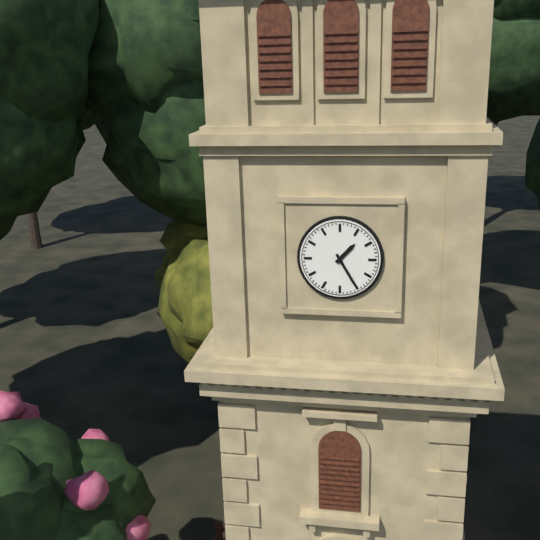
1:25
